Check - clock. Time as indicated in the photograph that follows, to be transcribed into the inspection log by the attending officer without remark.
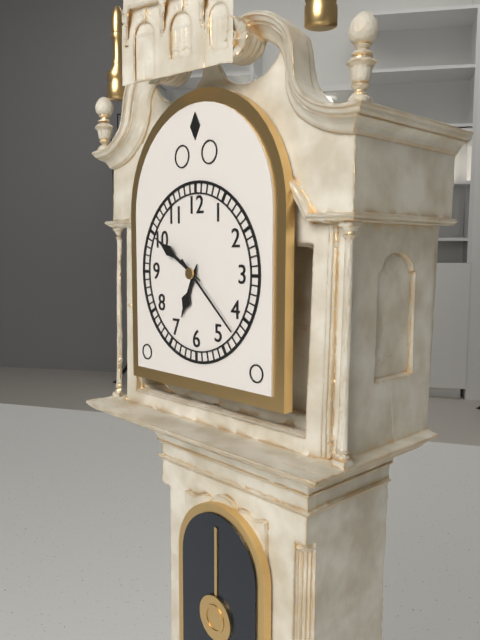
6:50:22
